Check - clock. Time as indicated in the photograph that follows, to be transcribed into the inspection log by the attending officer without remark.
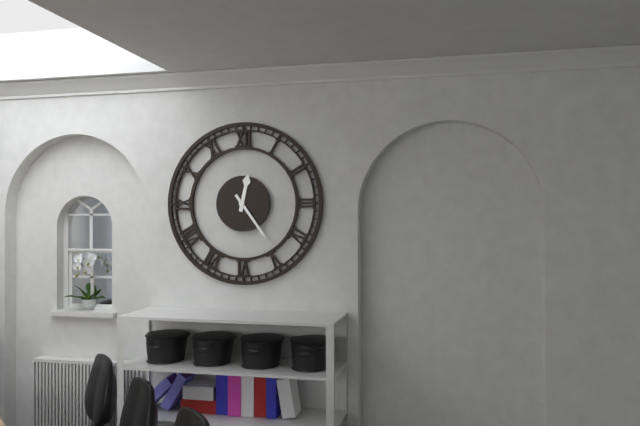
12:24
